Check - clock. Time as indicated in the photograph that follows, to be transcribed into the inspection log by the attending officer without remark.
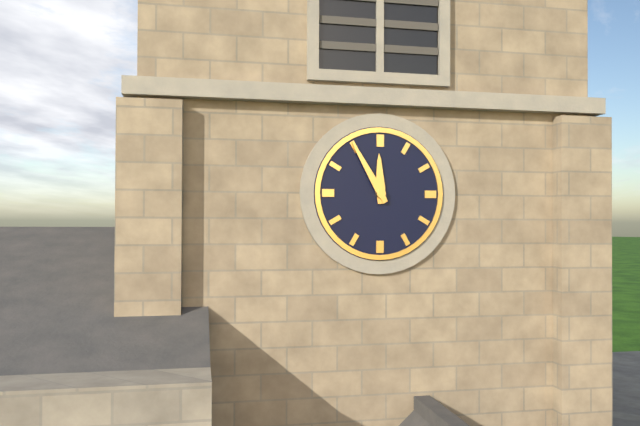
11:55
